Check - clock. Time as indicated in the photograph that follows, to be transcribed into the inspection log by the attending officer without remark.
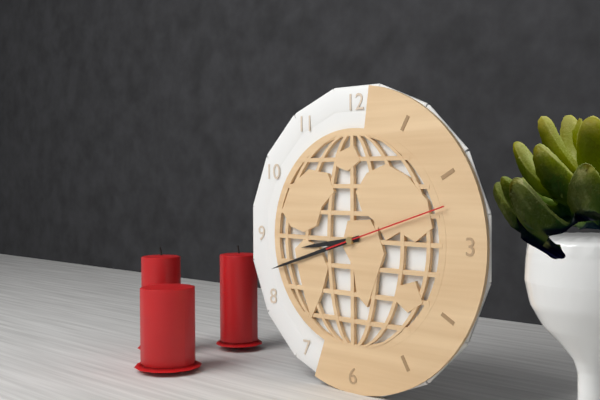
8:42:12
